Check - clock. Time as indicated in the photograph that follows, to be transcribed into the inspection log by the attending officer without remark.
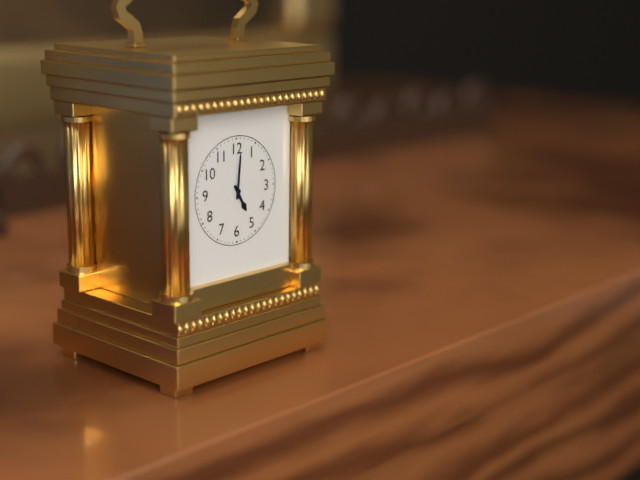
5:01
